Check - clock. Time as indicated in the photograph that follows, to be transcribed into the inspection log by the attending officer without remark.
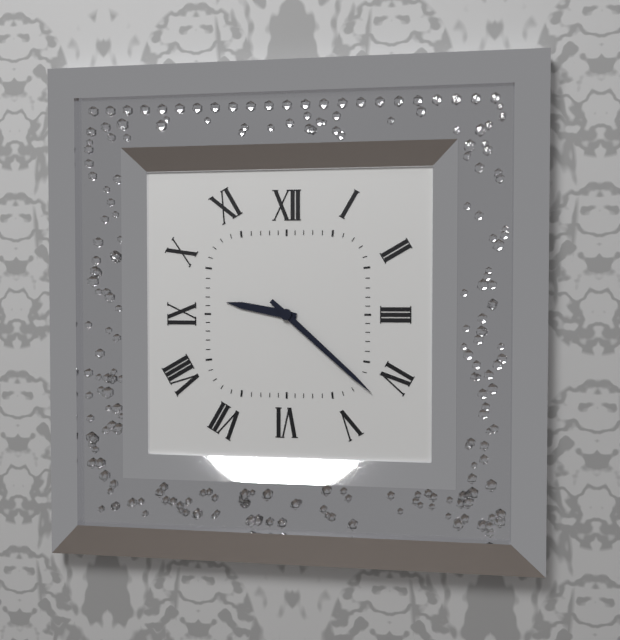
9:22
